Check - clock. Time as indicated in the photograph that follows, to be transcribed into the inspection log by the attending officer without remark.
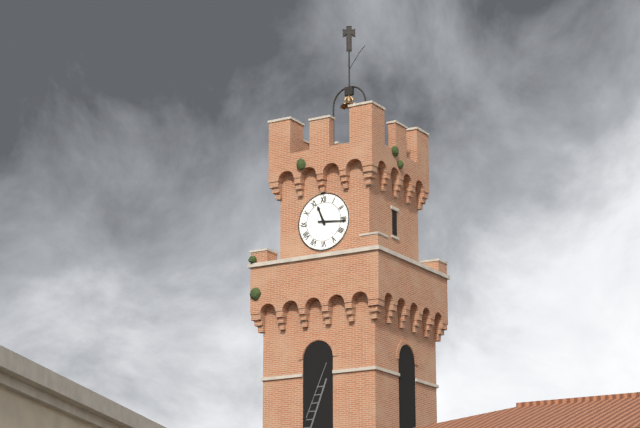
11:16
